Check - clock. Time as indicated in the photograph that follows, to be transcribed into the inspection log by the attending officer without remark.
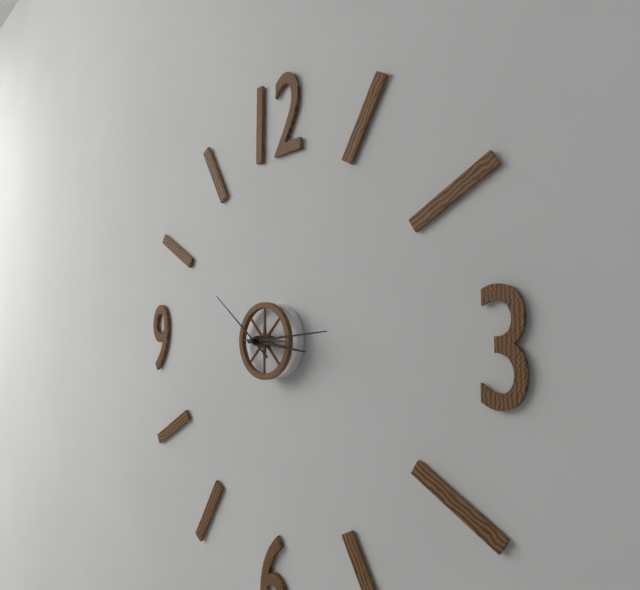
3:14:51
